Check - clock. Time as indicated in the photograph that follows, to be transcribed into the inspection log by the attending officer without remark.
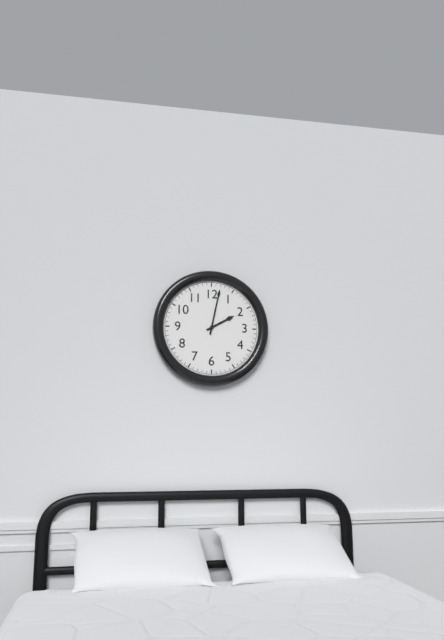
2:02
